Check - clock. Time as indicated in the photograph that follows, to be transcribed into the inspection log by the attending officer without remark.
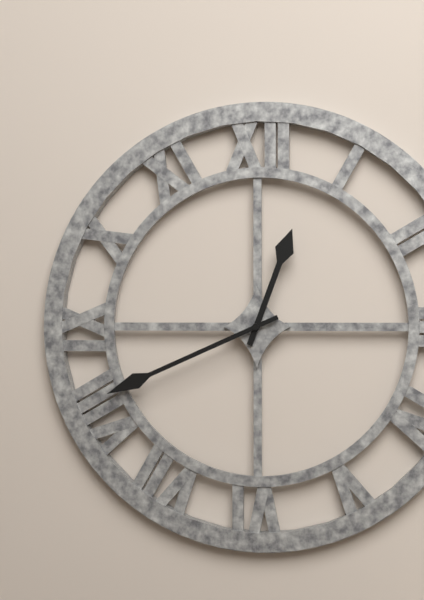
12:41
